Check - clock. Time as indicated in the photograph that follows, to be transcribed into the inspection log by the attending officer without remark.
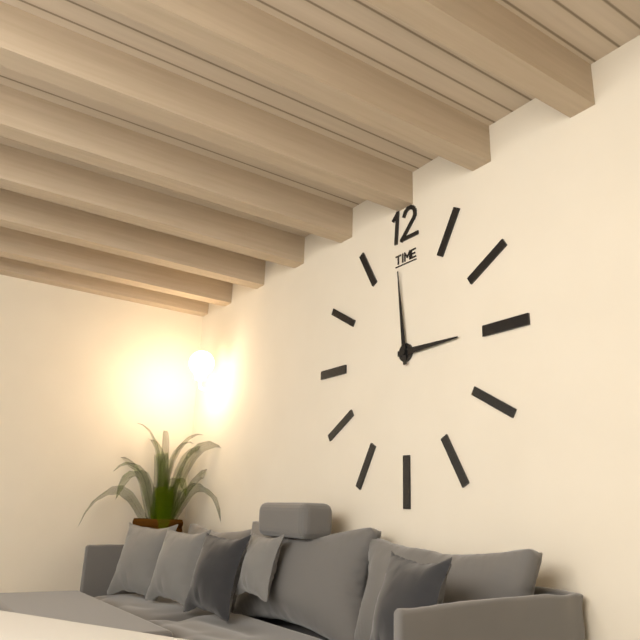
2:59
